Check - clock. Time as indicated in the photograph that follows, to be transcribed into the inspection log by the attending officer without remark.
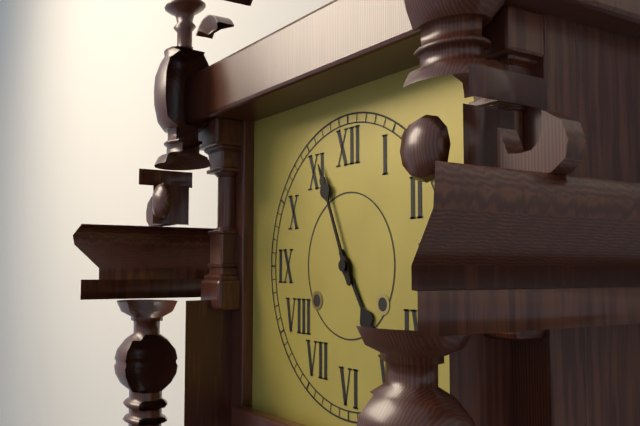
4:56
